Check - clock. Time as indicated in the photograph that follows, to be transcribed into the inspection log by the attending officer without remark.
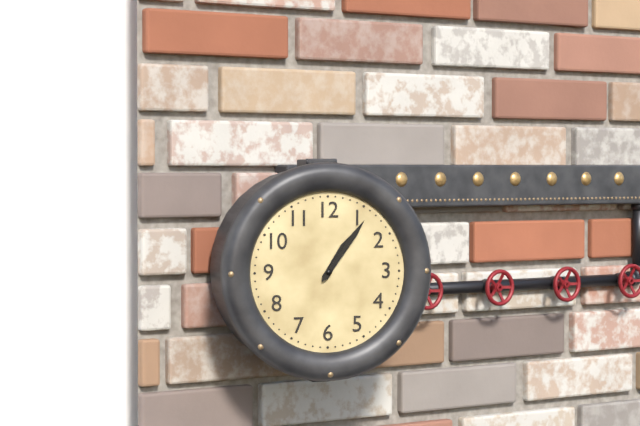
1:06
